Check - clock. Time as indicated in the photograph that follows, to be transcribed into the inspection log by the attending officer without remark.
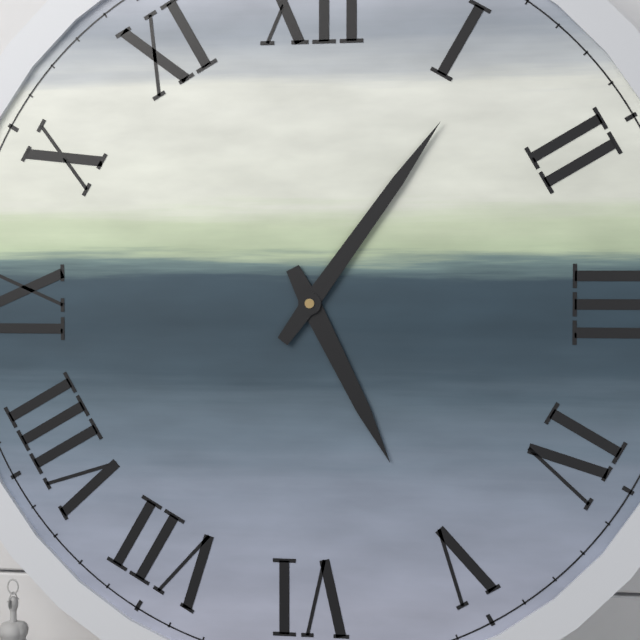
5:06
